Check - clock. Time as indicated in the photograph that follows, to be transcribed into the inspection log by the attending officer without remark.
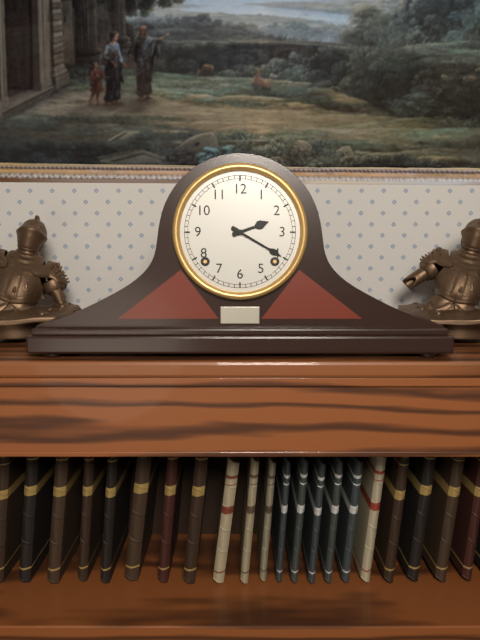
2:20
